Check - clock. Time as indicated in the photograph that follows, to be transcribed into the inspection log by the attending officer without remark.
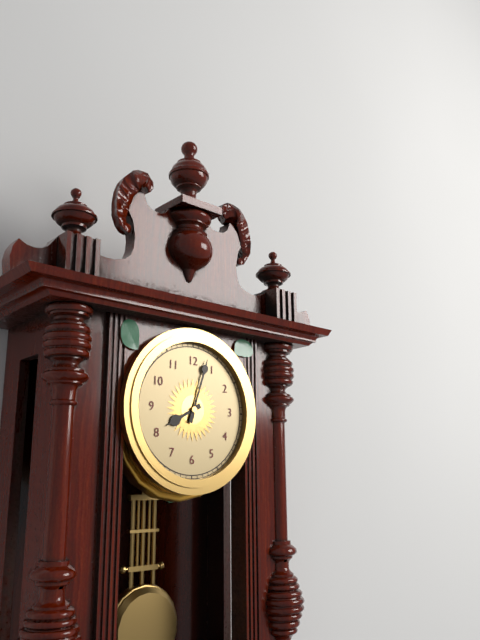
8:03
